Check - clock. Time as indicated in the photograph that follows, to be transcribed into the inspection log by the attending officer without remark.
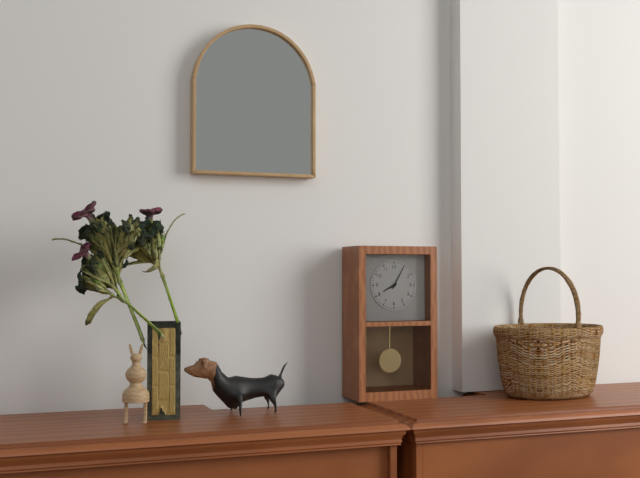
8:05
